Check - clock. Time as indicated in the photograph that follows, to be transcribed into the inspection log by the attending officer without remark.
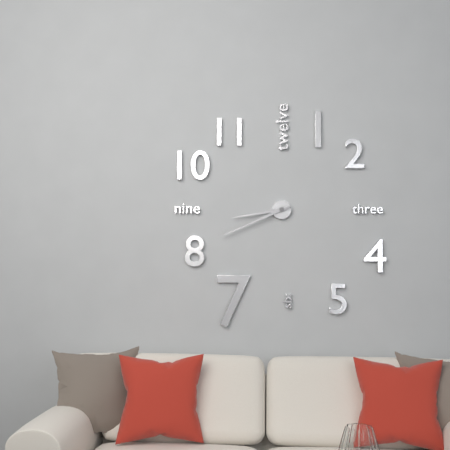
8:41
